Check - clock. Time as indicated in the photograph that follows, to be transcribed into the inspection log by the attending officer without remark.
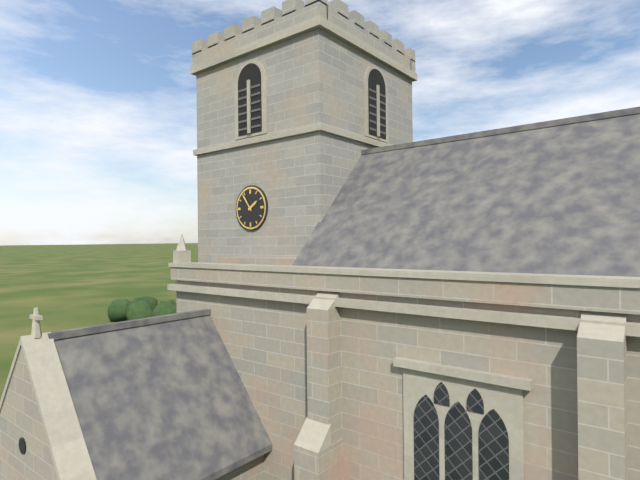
1:54
